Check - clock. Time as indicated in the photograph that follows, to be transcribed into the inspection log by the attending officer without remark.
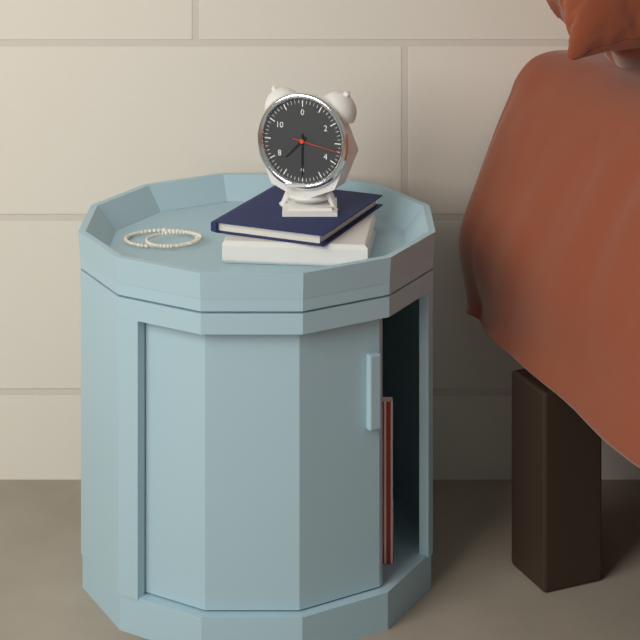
7:30
